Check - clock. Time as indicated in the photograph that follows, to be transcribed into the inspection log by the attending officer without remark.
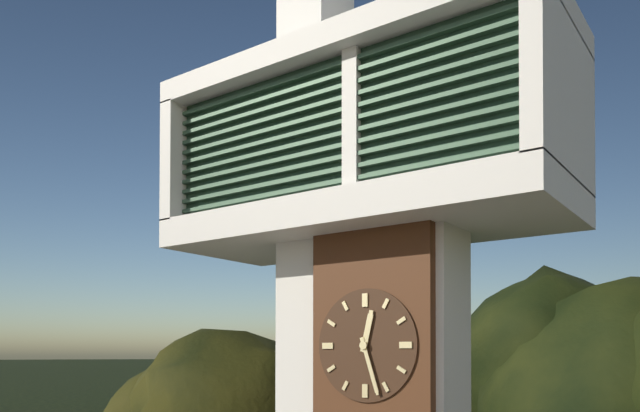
12:27
